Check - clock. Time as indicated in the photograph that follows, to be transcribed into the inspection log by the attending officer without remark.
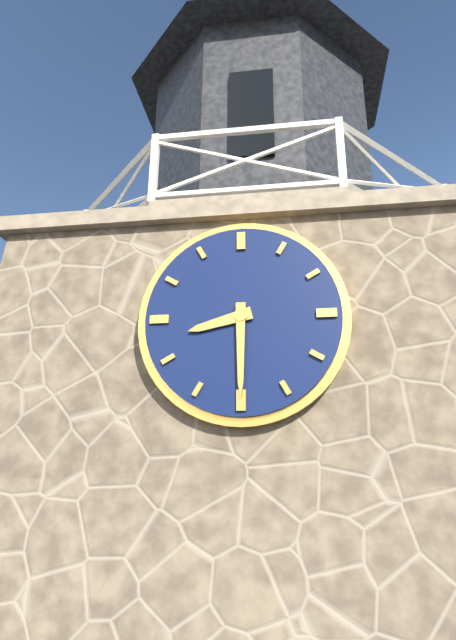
8:30
